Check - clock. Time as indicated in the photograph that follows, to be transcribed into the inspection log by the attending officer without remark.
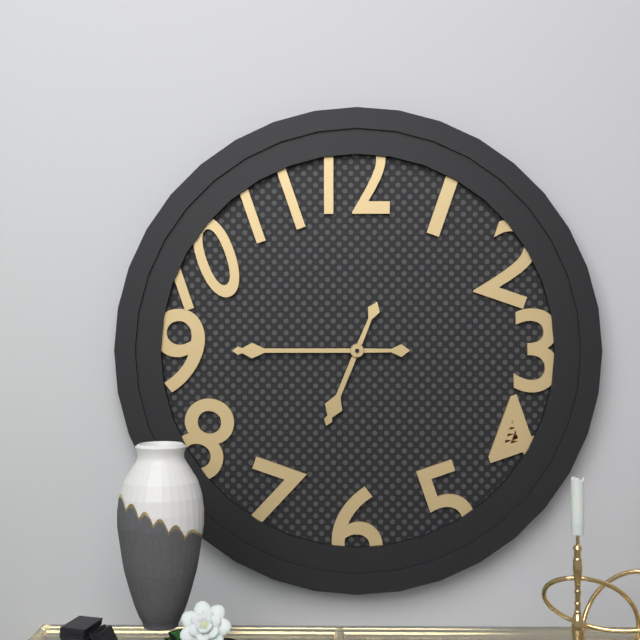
6:45
